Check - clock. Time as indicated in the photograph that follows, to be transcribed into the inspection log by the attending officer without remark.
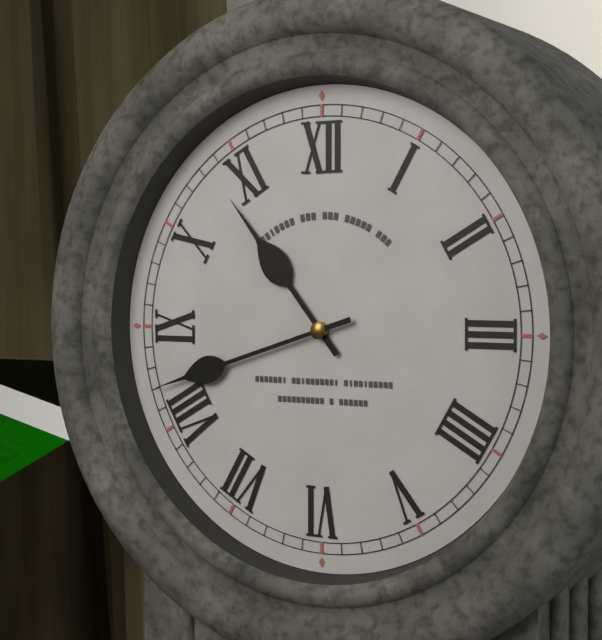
10:42
